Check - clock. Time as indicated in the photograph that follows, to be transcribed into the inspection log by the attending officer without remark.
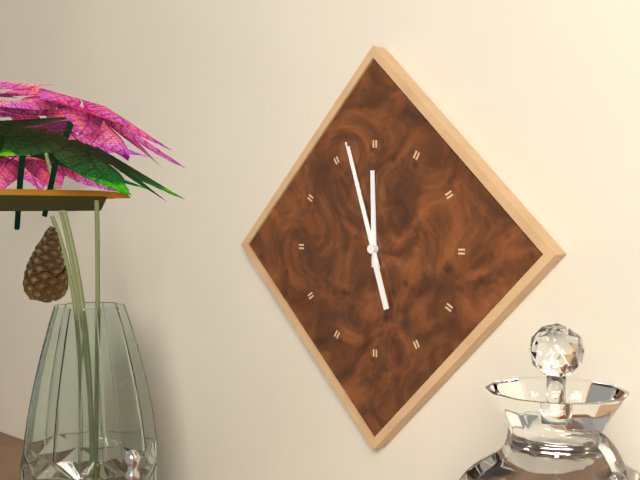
11:57:57
